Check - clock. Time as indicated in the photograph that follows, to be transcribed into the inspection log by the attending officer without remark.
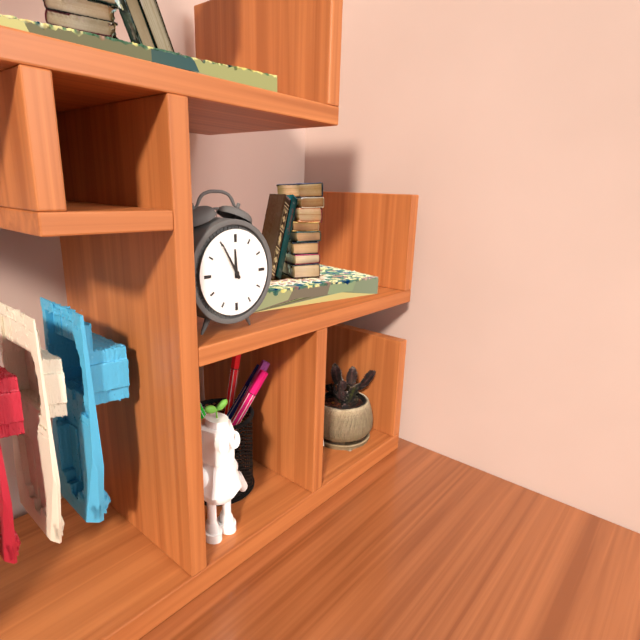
11:55
